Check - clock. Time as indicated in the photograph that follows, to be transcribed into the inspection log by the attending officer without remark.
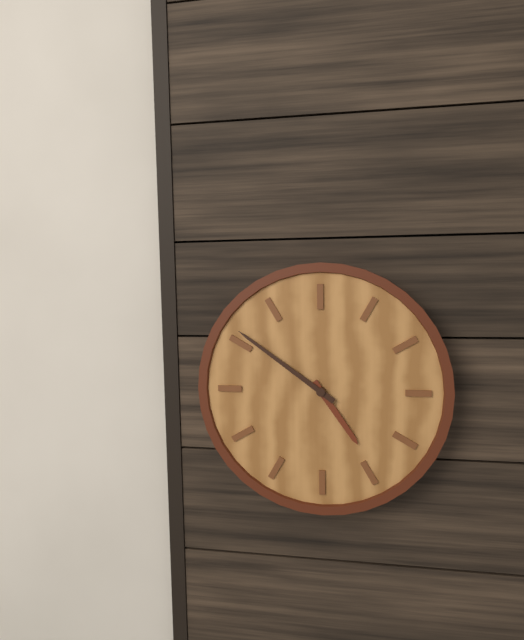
4:51
